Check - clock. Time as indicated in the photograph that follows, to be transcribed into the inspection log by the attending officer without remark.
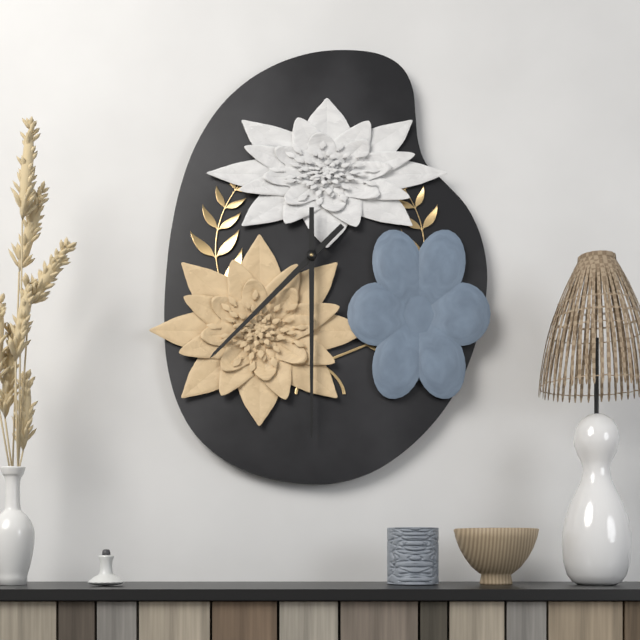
7:30
